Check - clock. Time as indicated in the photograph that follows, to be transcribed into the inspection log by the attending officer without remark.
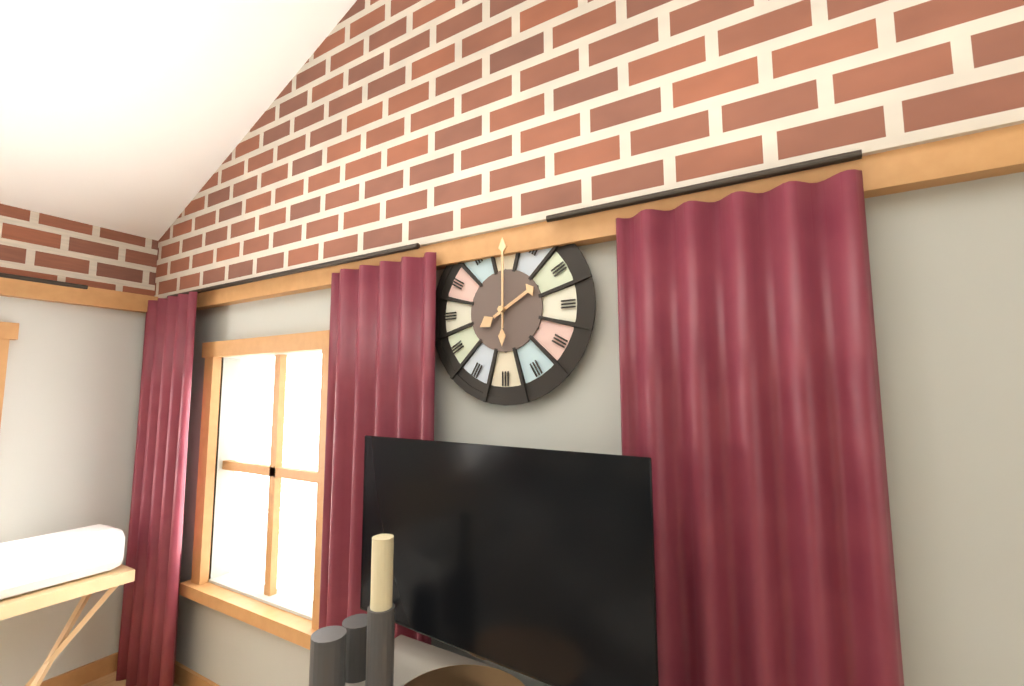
2:00
